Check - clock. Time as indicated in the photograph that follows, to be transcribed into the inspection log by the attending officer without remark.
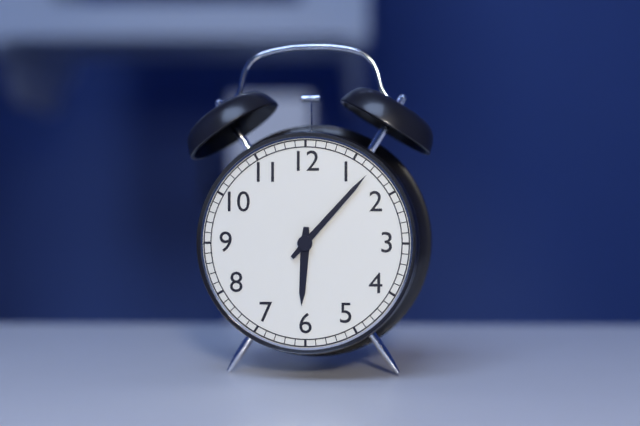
6:07
